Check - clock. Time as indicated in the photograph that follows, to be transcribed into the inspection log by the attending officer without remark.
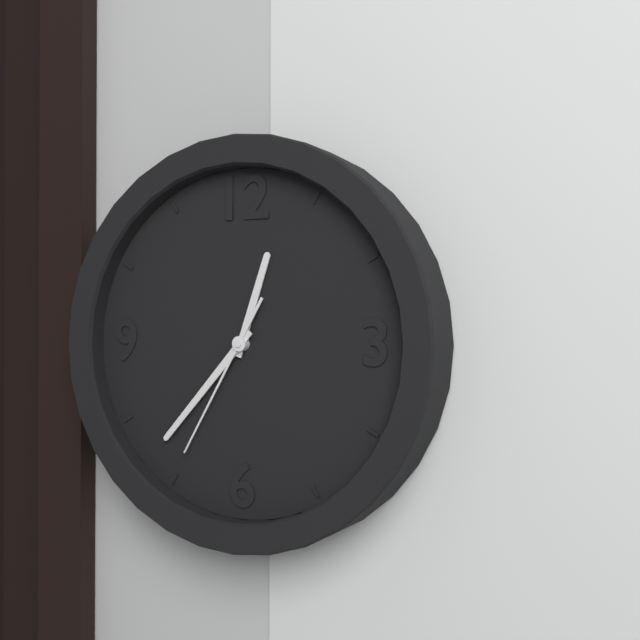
12:37:35
